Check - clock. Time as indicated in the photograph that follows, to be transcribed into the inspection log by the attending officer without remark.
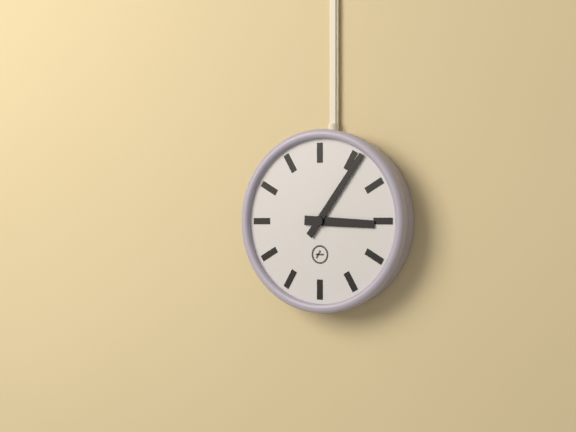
3:06
